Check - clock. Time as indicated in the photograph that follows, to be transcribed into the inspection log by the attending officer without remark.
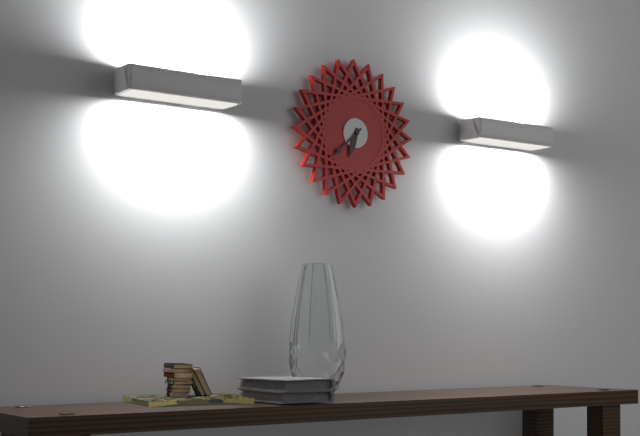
6:38
